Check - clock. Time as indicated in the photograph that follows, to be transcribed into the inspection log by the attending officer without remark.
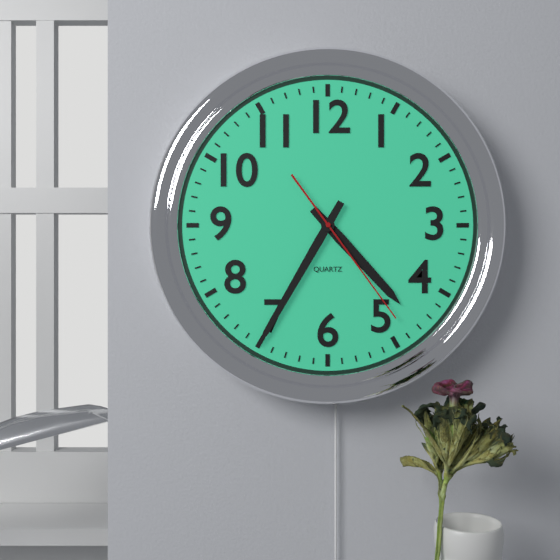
4:35:24
